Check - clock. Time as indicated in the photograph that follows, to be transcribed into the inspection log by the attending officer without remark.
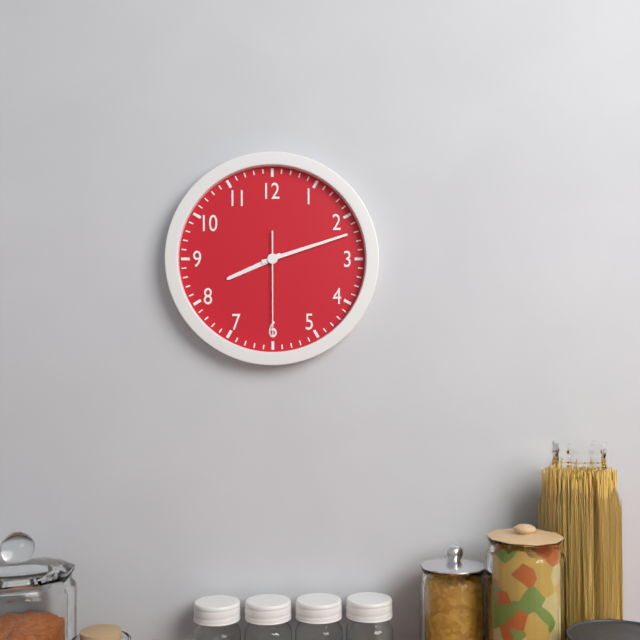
8:12:30
